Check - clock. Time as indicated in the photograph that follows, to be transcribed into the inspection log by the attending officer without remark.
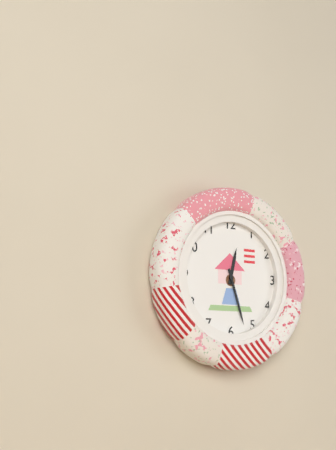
12:27
